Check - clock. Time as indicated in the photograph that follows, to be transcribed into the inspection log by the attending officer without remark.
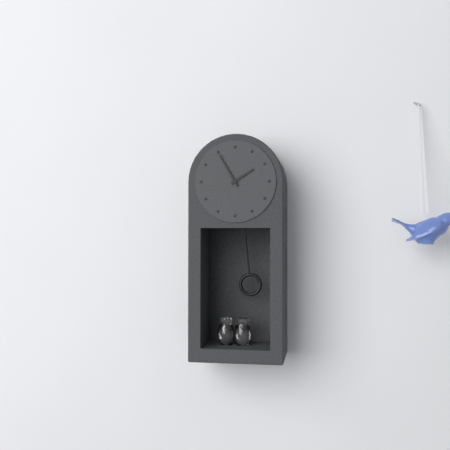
1:55
